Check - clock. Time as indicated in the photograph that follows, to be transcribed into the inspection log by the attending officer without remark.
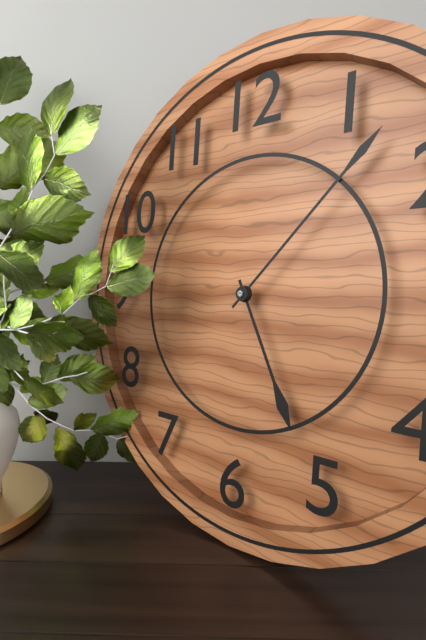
5:07
